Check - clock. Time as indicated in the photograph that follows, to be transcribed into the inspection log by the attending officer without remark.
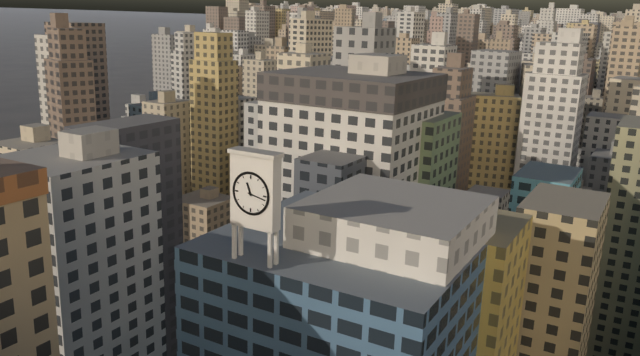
11:17
